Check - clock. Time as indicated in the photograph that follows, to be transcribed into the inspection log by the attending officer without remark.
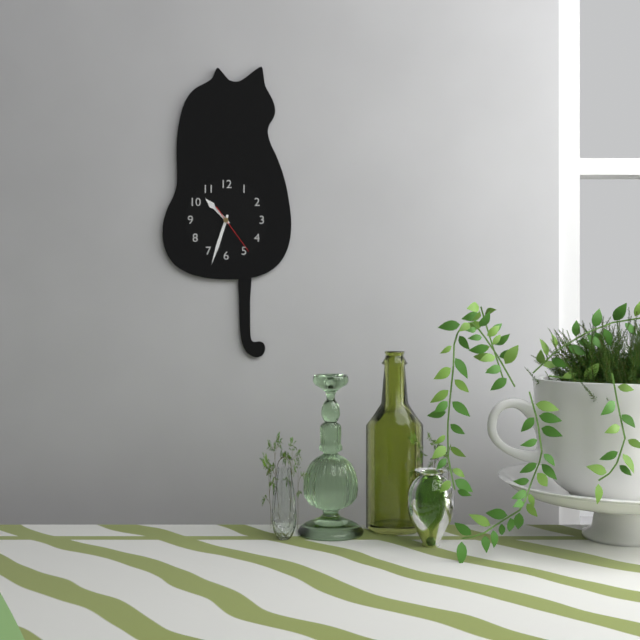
10:33
